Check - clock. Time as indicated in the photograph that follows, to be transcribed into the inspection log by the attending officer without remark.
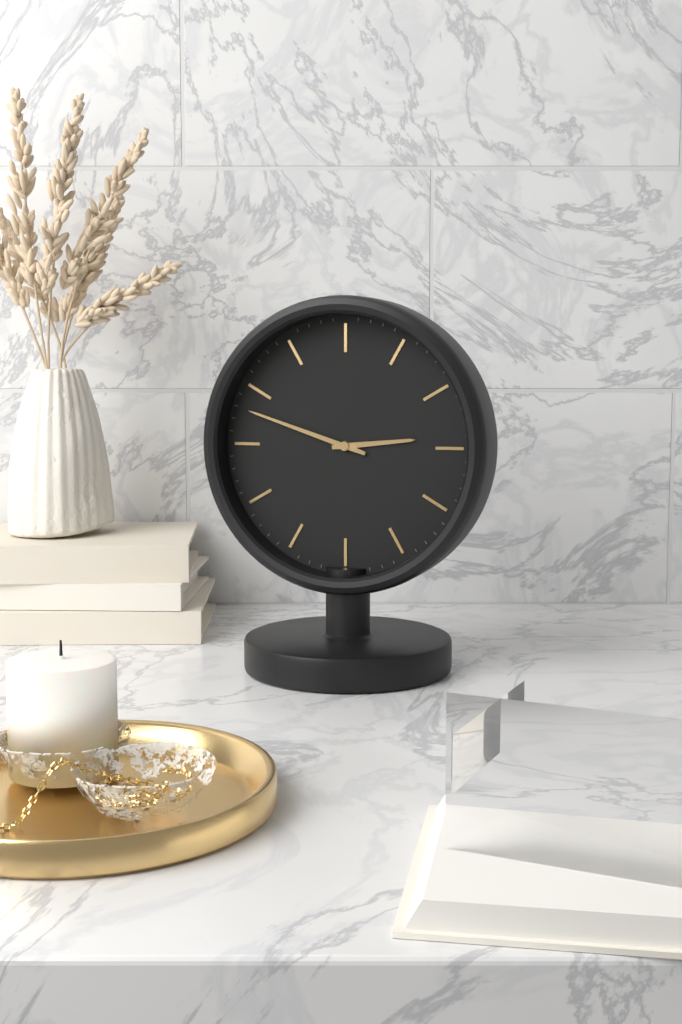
2:48
